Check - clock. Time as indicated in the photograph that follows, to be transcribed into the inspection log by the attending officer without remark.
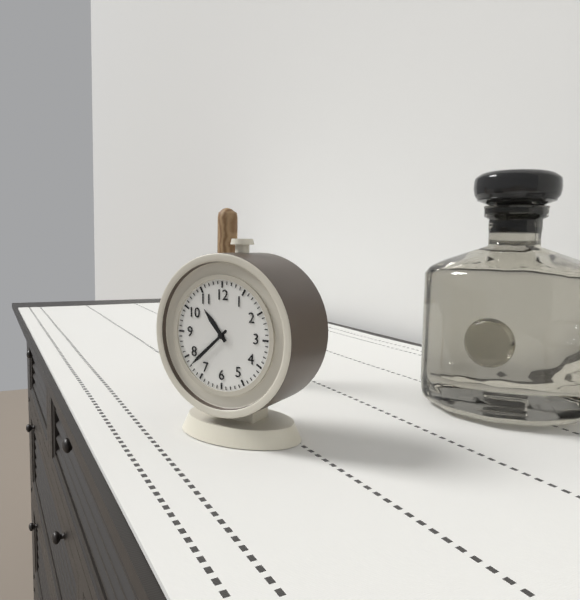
10:38
